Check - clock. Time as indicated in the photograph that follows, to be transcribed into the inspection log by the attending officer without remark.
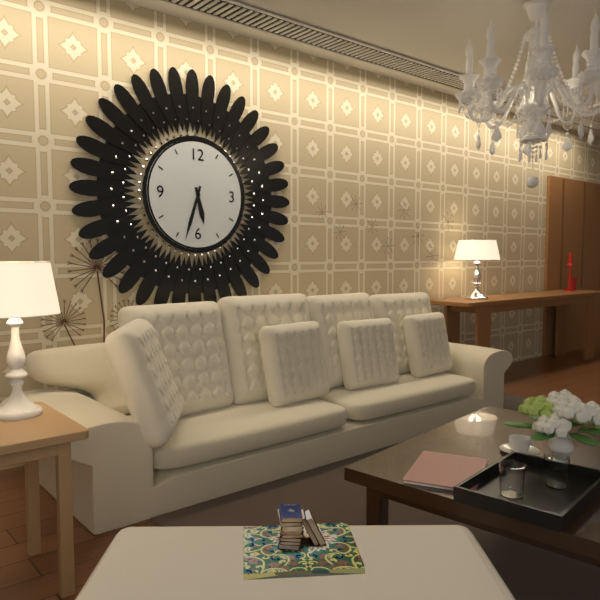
5:33
